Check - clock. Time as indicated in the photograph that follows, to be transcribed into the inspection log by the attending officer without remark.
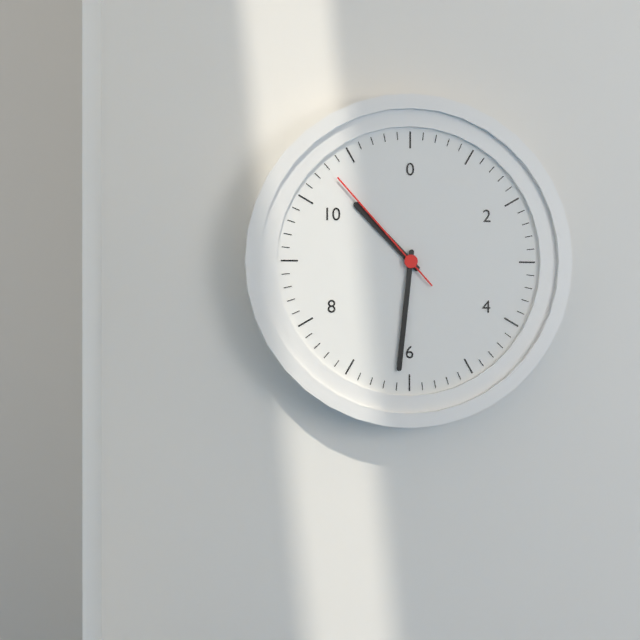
10:31:53
